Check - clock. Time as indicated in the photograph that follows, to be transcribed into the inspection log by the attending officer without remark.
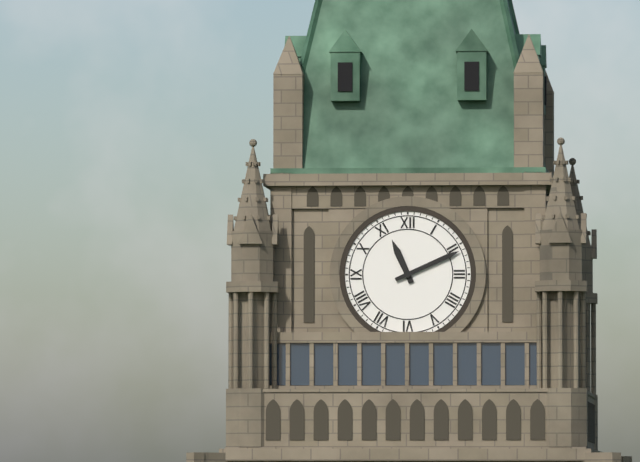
11:11
